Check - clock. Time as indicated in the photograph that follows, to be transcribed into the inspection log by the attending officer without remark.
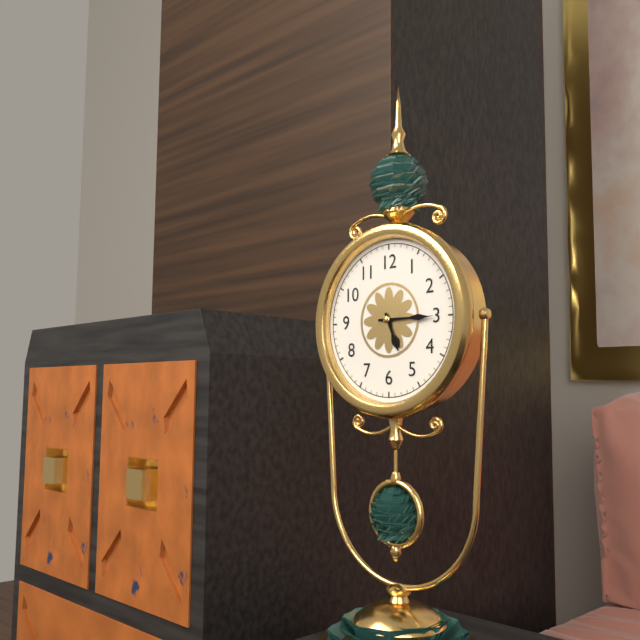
5:15
